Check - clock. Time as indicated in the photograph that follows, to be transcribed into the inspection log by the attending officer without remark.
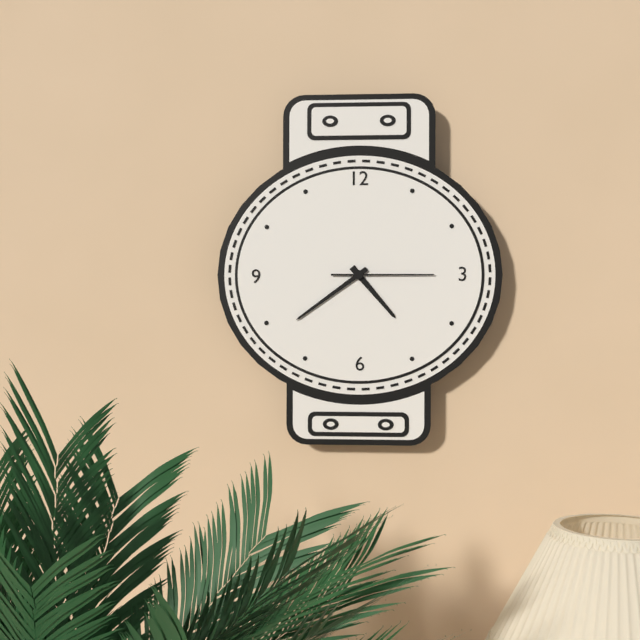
4:39:15
